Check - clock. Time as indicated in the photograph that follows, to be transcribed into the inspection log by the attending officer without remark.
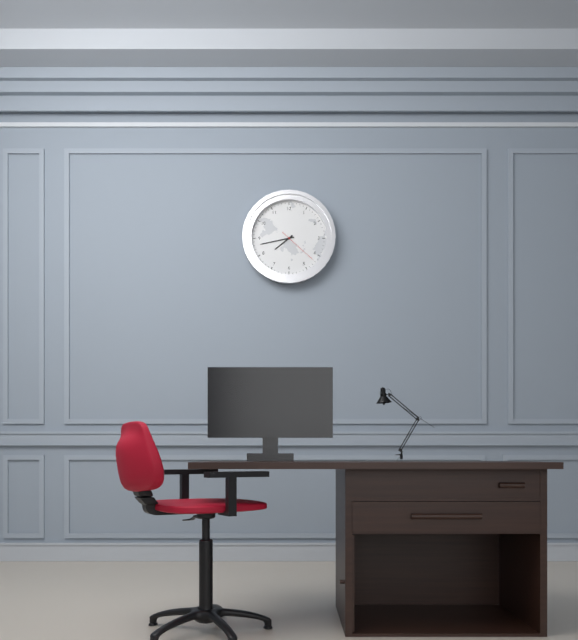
7:43
